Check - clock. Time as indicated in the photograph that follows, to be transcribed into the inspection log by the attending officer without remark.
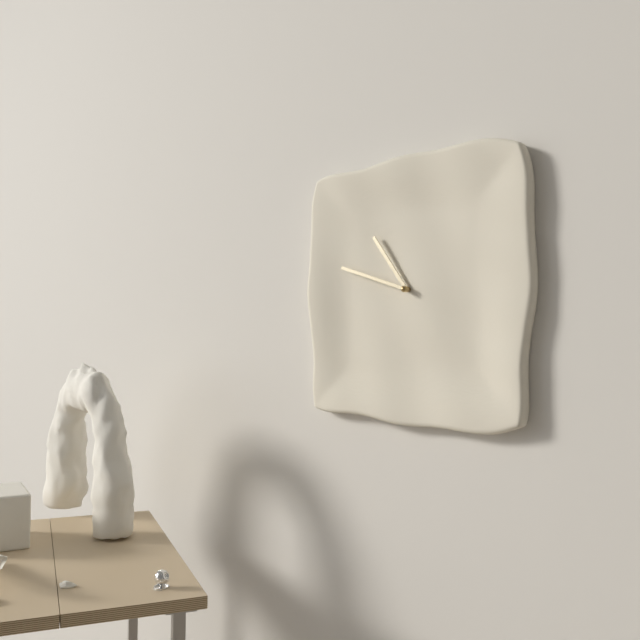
10:48
